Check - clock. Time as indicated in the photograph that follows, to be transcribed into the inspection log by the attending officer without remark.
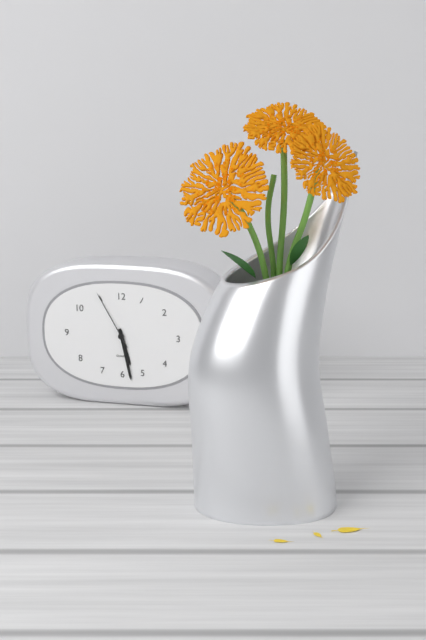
5:28:55
